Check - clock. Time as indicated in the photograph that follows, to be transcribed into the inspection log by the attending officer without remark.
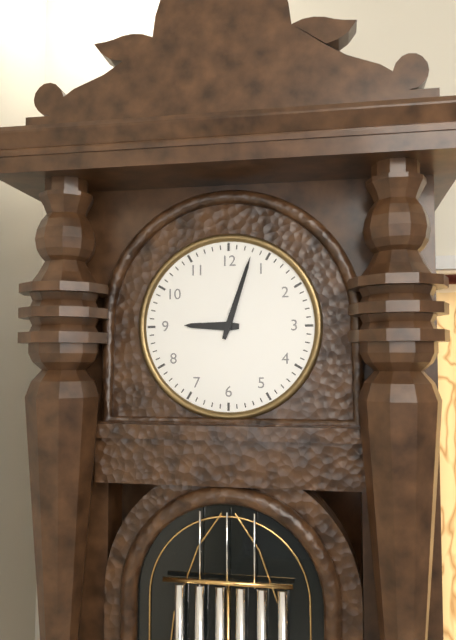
9:03
